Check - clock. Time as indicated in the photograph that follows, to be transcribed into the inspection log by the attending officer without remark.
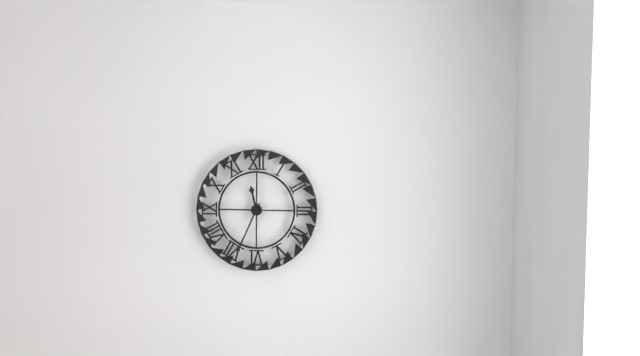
11:34
